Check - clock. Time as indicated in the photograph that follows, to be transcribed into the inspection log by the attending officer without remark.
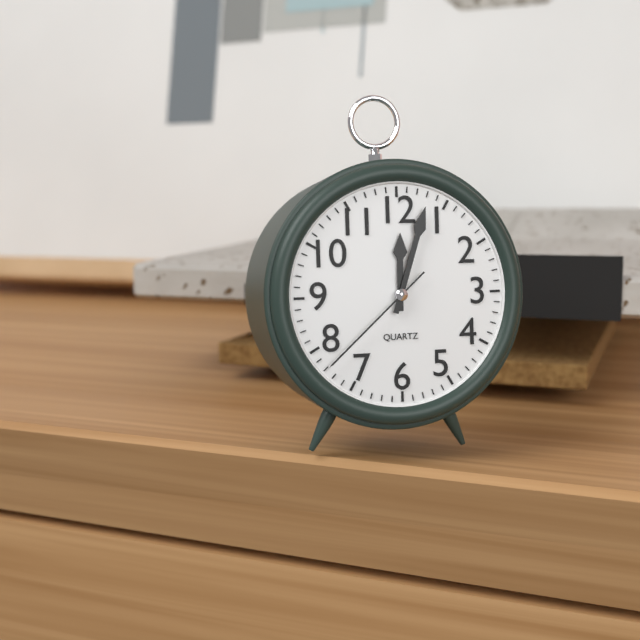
12:03:38
